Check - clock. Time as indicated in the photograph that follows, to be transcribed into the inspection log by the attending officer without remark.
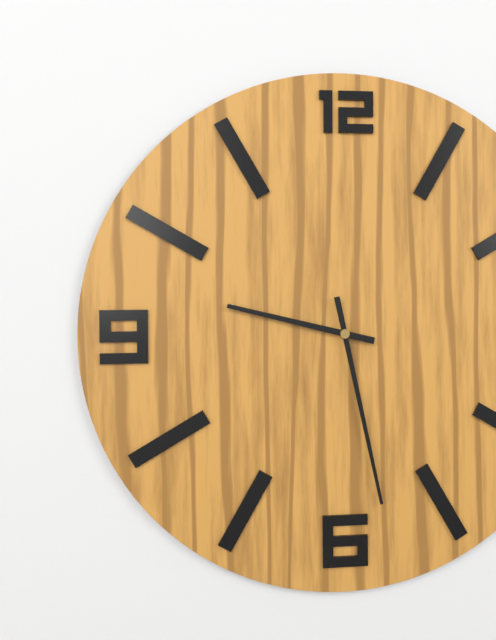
9:28
